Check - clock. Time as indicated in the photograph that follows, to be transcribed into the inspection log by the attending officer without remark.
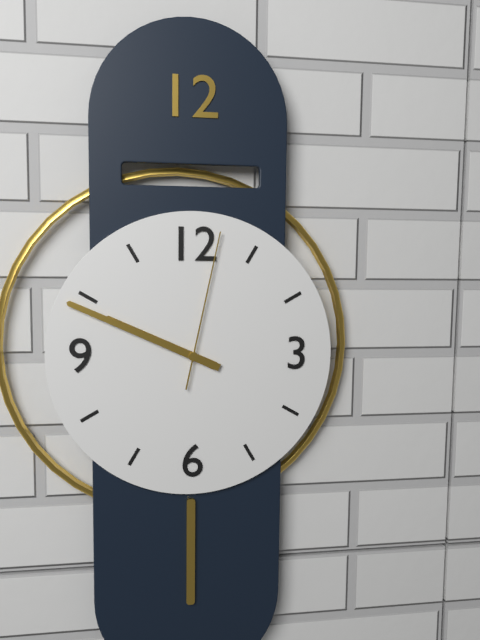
9:49:02
